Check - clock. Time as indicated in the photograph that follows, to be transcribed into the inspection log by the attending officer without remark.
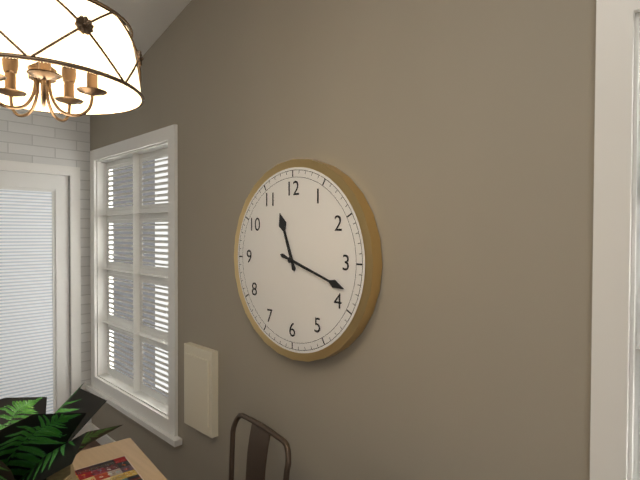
11:18
